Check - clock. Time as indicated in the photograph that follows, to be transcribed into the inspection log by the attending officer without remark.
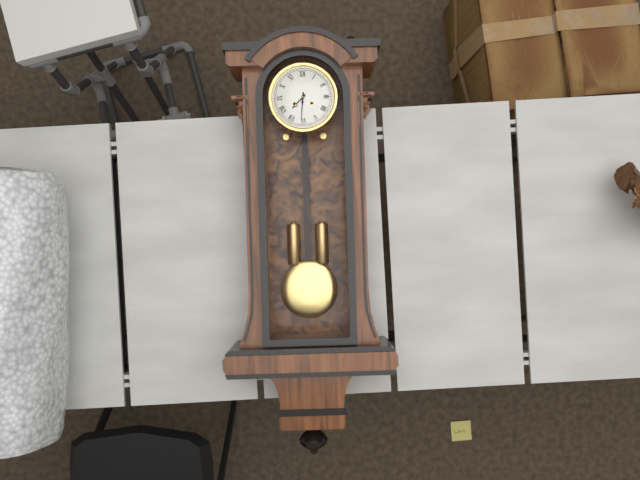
7:31
